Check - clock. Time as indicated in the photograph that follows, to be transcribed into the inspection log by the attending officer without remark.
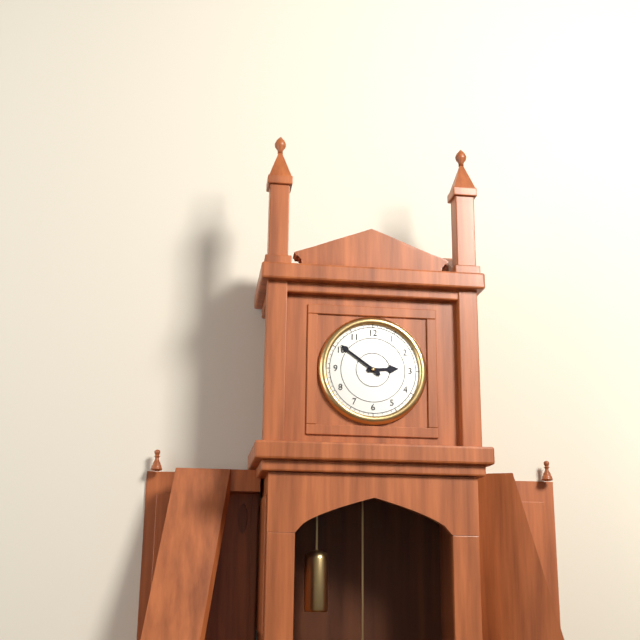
2:51
